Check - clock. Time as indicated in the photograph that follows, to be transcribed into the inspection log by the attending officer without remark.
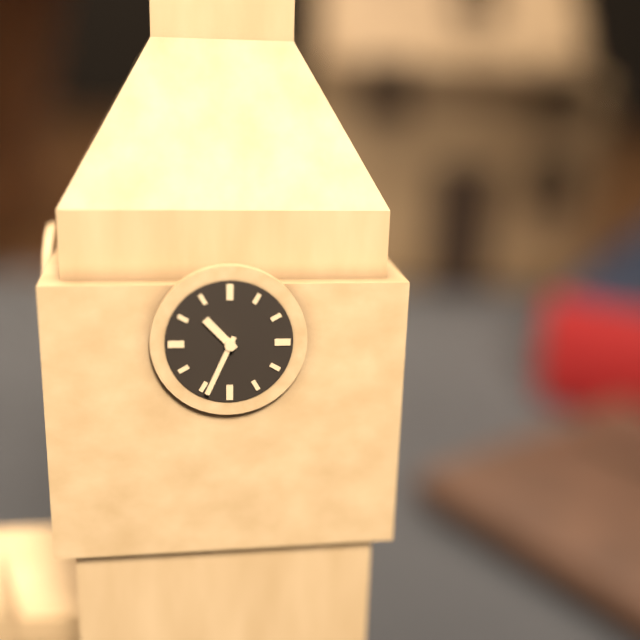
10:34
